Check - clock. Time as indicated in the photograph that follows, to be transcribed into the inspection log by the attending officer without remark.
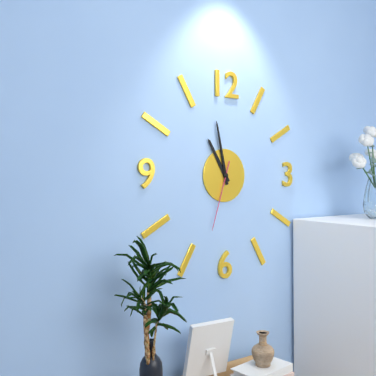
10:58:33
